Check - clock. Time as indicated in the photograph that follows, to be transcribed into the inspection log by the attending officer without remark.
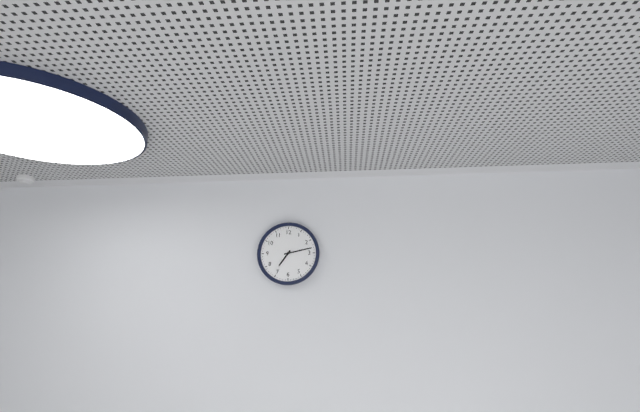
7:13
